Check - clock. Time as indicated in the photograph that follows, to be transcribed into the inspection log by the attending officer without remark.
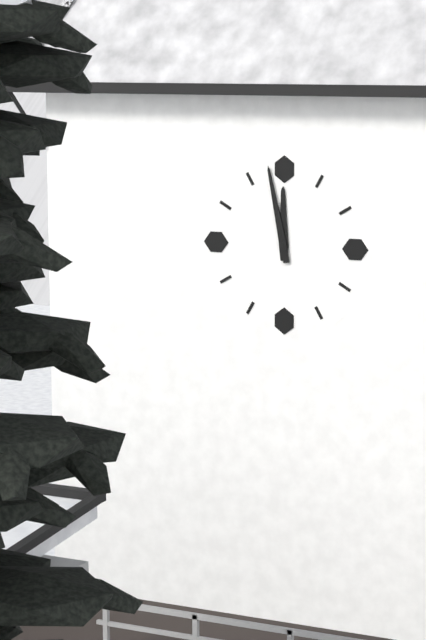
11:58
